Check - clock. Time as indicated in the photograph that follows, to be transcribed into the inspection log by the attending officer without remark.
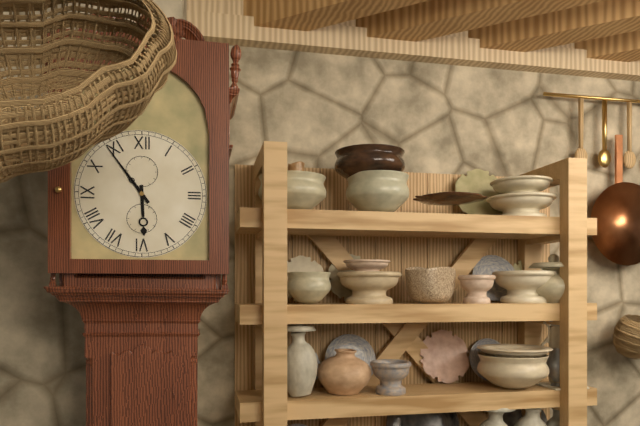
5:54
